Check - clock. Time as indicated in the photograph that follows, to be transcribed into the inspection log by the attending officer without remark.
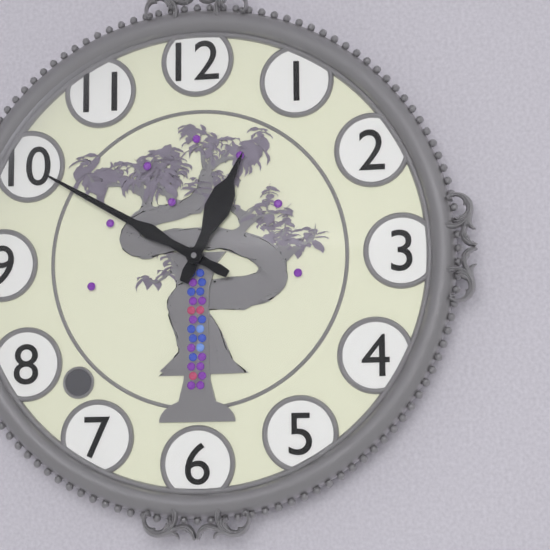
12:50
